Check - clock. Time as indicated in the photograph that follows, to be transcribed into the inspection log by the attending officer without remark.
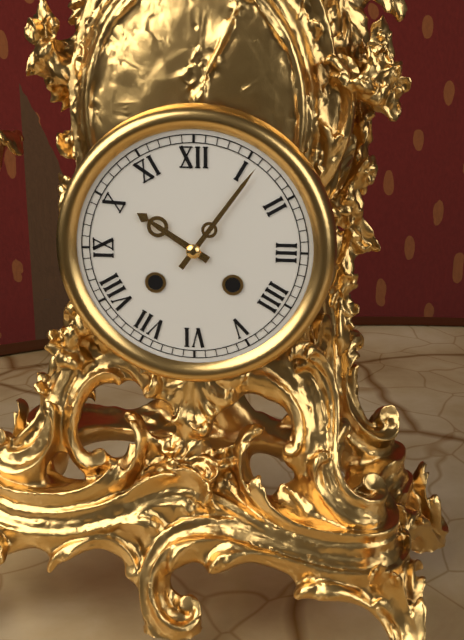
10:06
